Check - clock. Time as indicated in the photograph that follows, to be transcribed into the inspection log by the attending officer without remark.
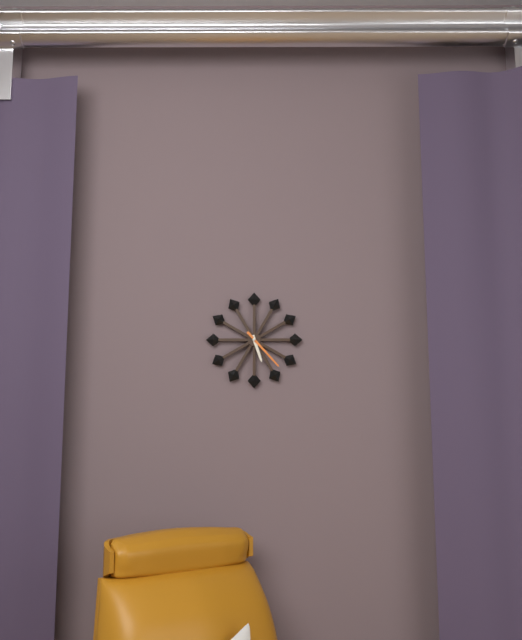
5:23
